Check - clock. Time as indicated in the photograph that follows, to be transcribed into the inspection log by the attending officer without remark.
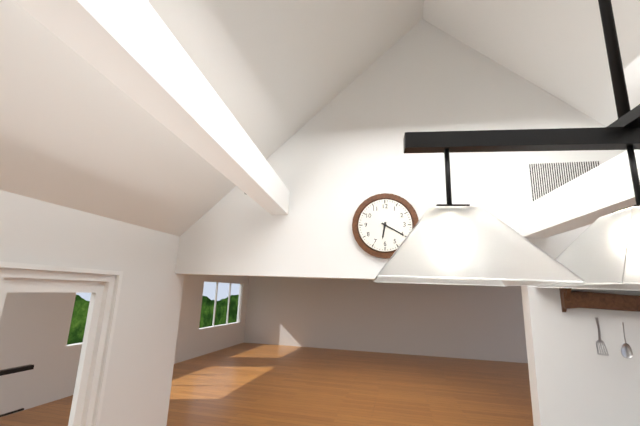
6:20
